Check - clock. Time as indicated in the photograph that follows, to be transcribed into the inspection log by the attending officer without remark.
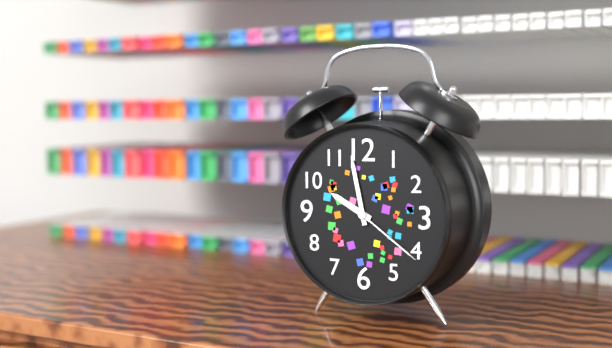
9:58:21
